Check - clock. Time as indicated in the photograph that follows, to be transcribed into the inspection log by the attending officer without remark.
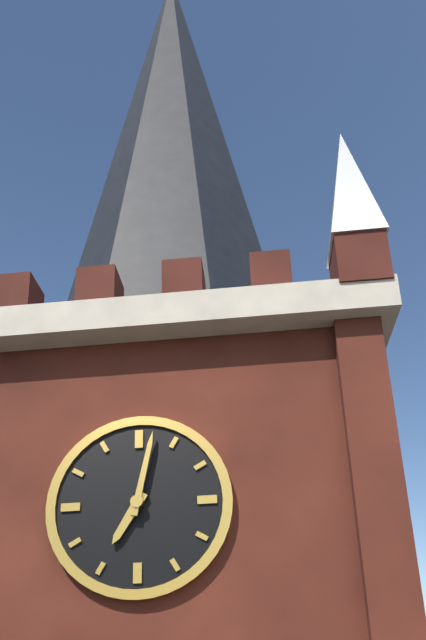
7:02
